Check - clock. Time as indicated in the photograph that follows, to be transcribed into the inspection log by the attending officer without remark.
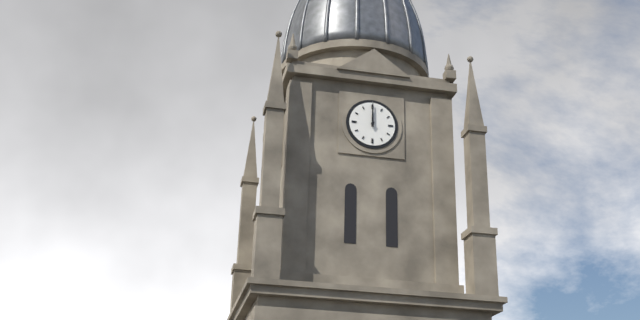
12:00
